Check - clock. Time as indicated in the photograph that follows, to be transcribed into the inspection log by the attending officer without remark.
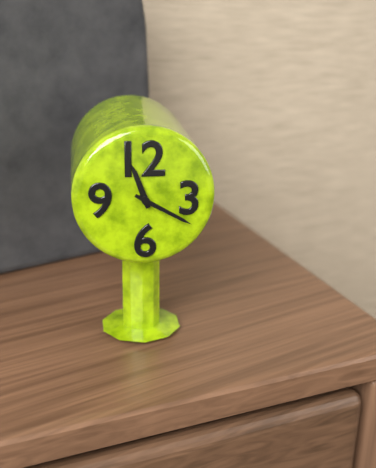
11:20
